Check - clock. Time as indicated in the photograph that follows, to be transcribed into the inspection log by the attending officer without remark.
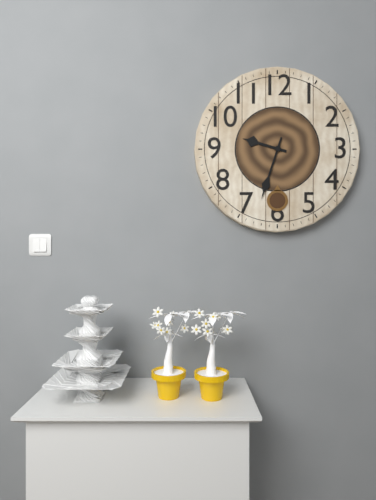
9:33
